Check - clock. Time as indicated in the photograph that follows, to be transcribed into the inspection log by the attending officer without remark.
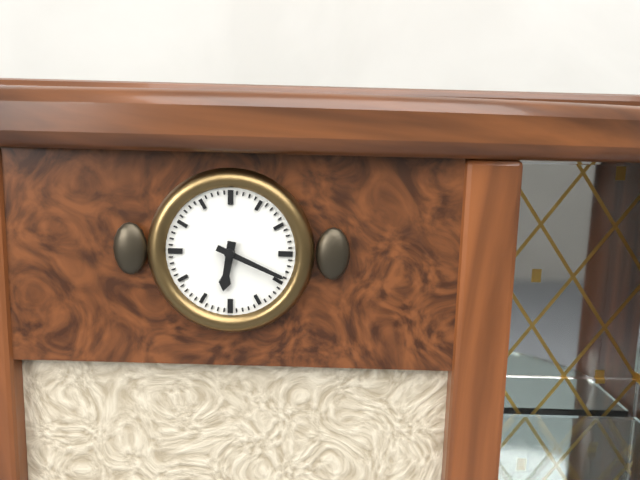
6:19
